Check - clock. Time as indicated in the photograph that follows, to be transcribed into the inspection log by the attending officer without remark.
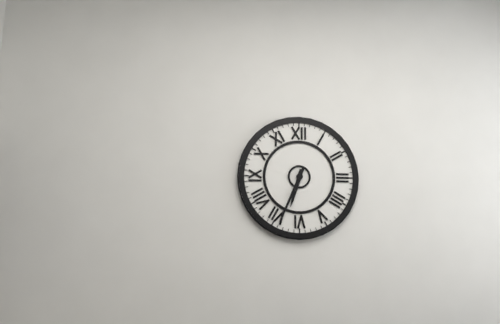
6:34
